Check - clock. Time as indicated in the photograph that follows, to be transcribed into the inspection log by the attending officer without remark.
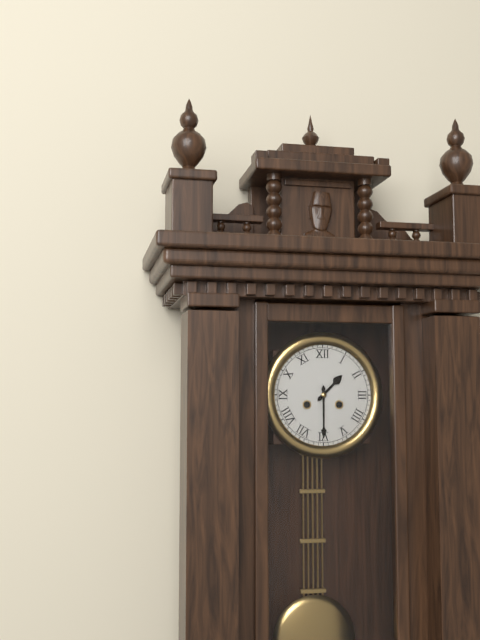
1:30
